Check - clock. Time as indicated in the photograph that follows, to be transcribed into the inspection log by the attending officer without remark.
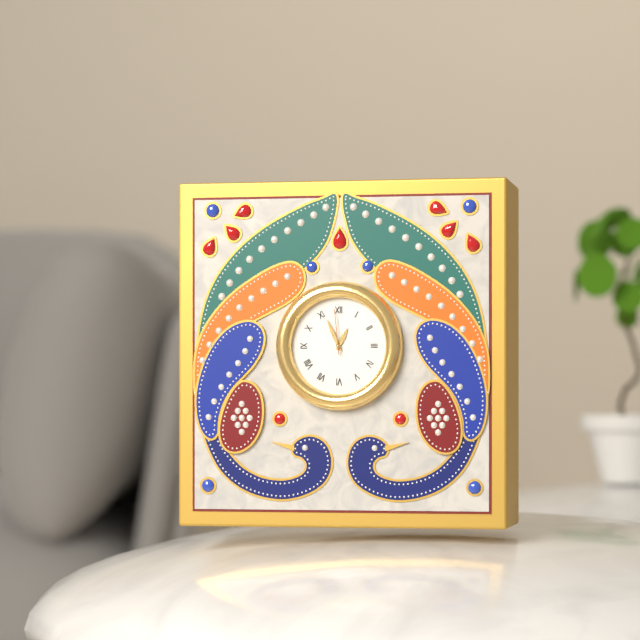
12:56
